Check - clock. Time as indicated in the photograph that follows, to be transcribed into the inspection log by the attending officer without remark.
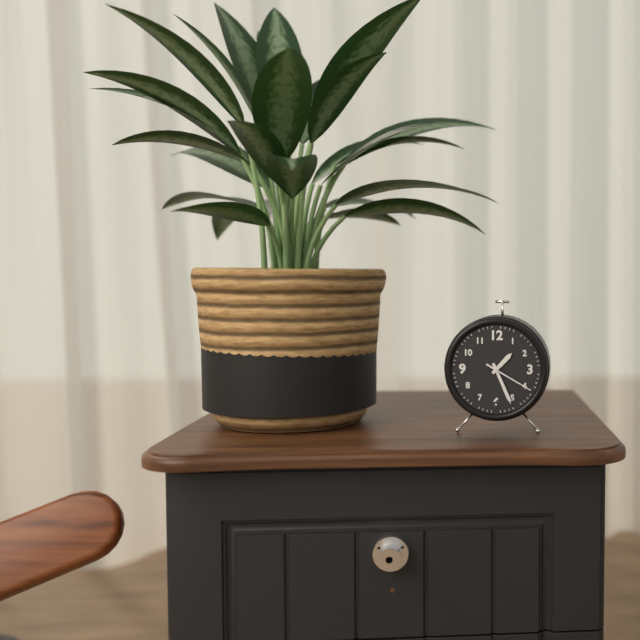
1:26:20
